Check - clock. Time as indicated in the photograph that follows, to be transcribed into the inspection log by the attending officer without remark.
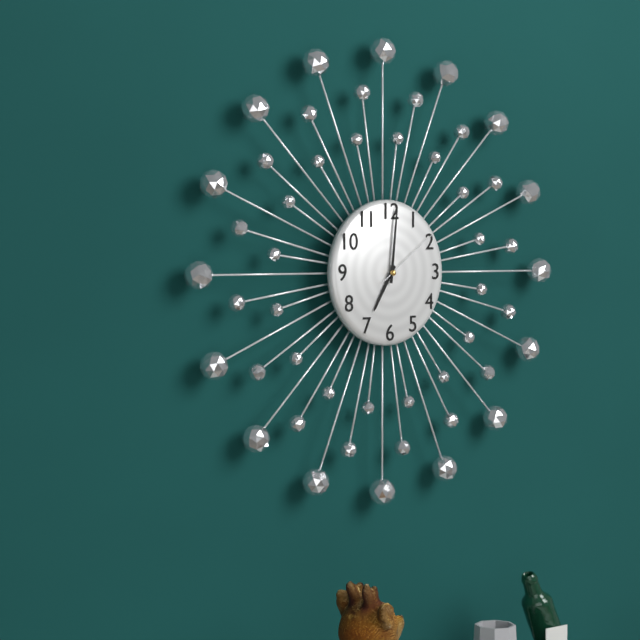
7:01:09
